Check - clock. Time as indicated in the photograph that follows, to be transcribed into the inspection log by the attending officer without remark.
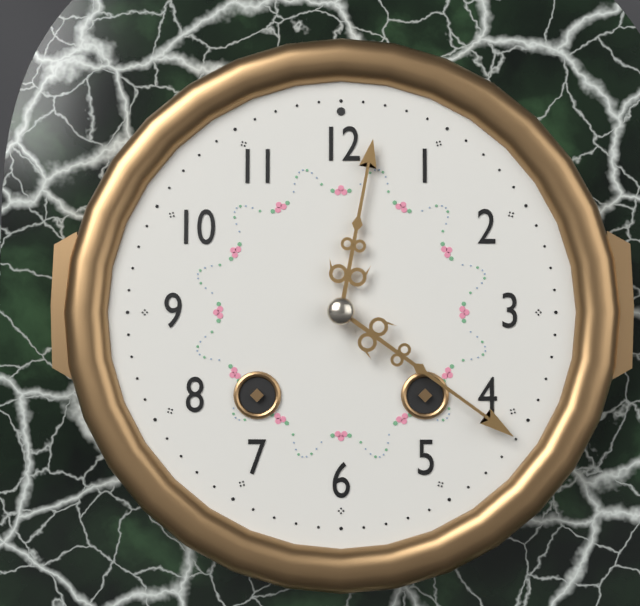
12:21
